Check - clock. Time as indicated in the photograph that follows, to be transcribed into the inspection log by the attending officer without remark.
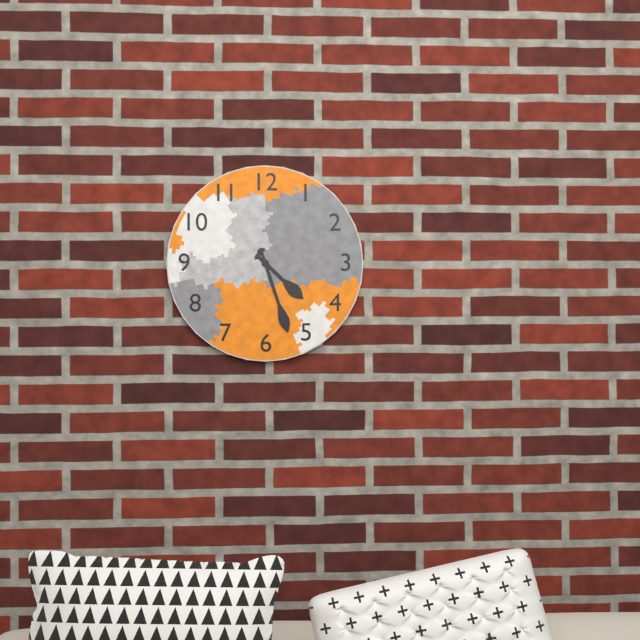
4:27
